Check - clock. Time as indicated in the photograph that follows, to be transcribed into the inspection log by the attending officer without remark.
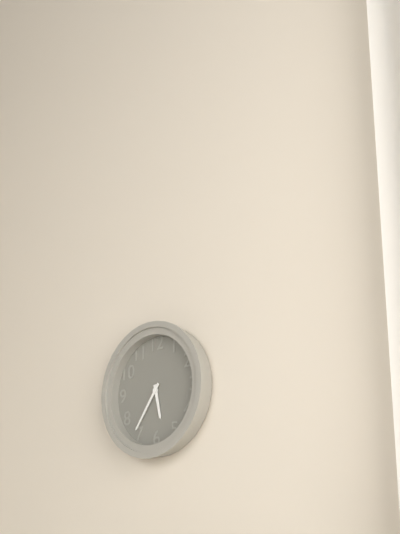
5:36
